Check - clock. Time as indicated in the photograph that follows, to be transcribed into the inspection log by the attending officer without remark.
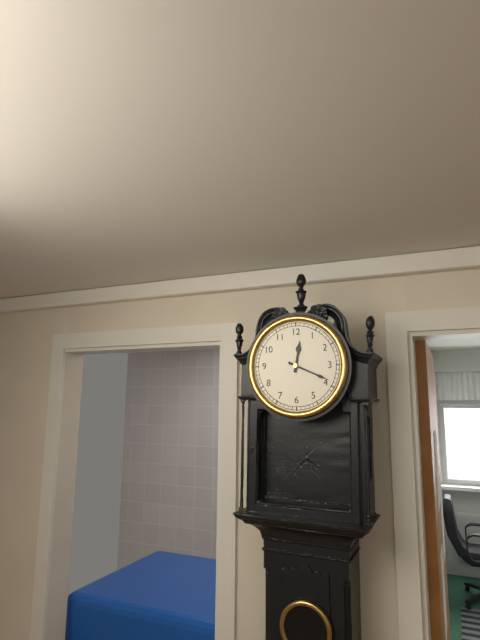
12:19
